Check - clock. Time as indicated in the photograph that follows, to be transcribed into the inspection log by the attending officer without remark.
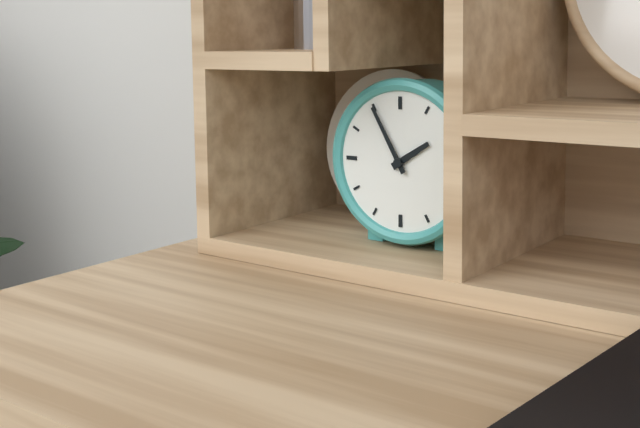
1:55
